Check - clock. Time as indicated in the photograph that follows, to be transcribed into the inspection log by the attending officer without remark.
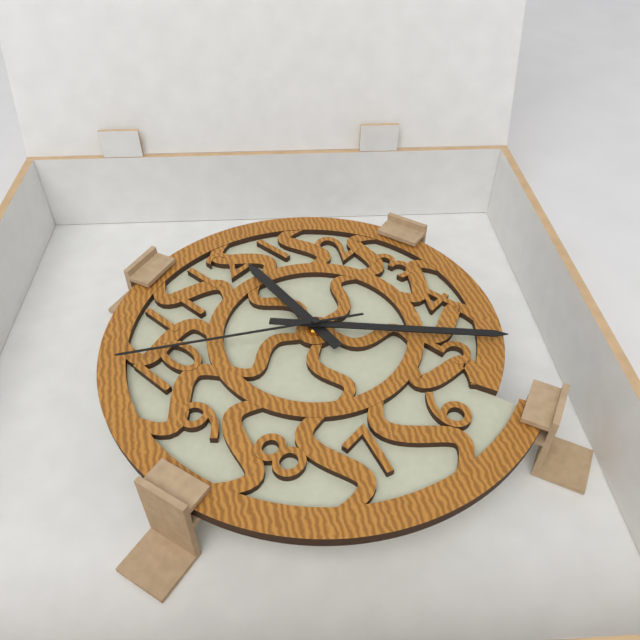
12:24:51
